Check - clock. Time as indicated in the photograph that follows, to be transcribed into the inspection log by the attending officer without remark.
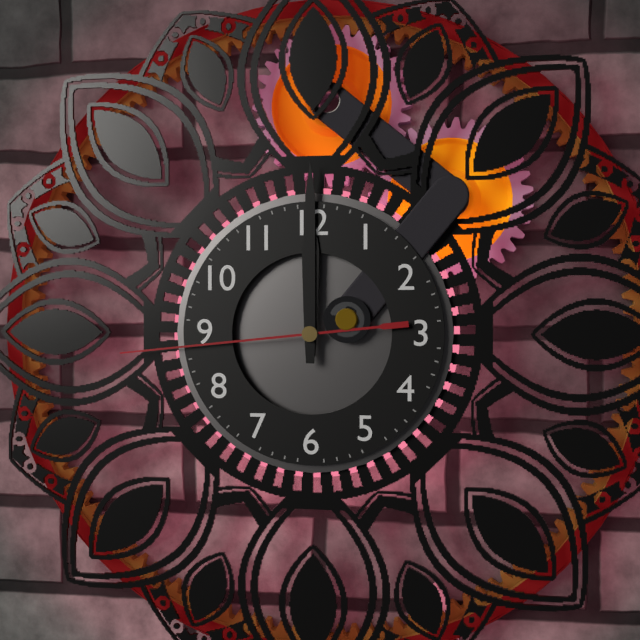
12:00:44
